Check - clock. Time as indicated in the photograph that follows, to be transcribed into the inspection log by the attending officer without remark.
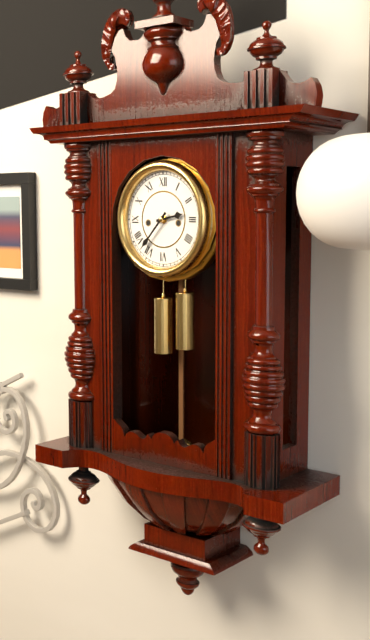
2:37
